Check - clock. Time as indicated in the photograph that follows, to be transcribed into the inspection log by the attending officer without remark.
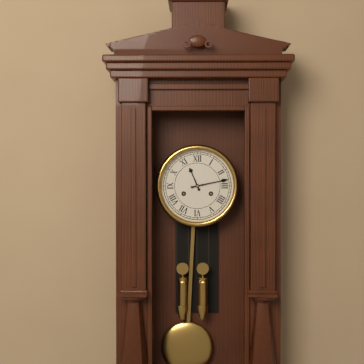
11:13
